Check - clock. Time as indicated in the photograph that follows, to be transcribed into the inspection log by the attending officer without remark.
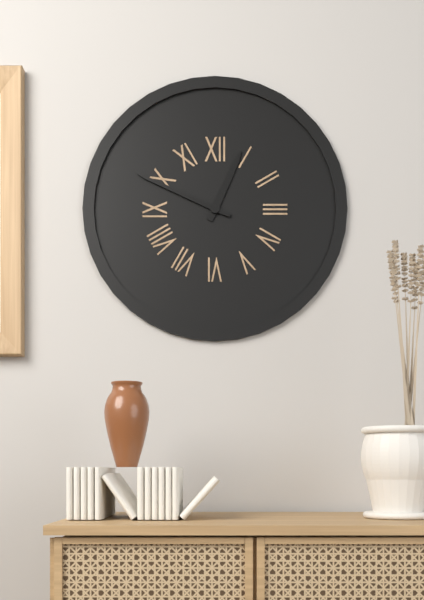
12:49
